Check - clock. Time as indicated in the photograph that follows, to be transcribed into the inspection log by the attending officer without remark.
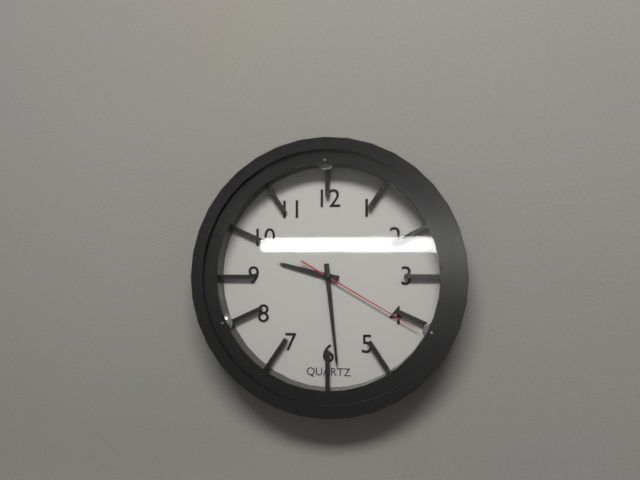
9:29:20
